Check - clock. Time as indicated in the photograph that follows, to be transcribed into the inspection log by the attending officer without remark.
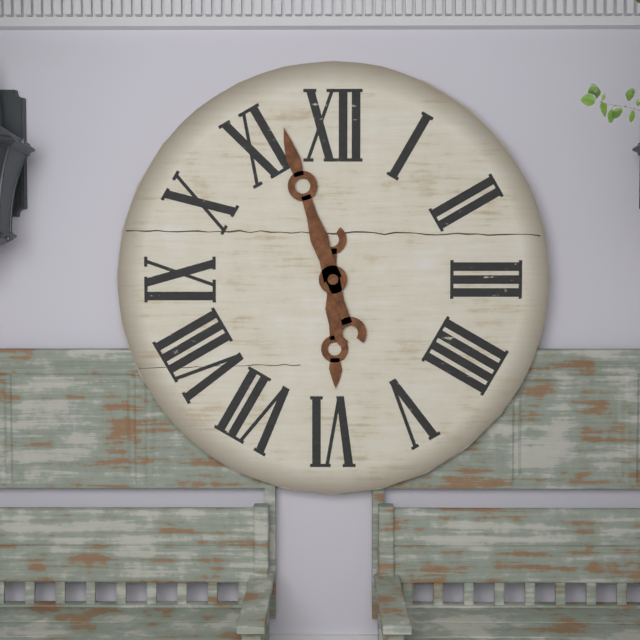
5:57
